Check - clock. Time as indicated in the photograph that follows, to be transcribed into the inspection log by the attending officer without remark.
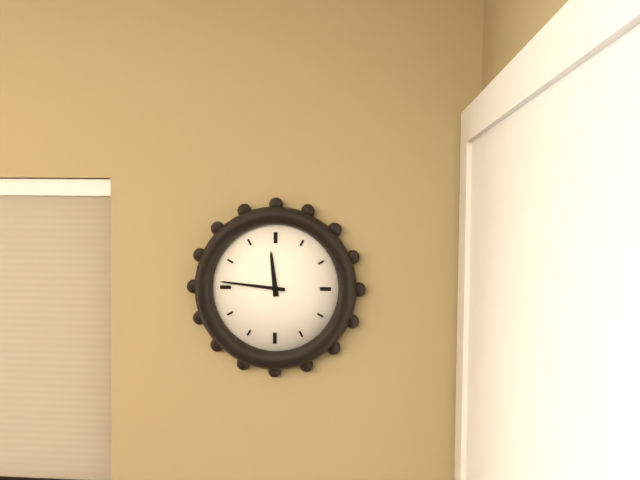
11:46
